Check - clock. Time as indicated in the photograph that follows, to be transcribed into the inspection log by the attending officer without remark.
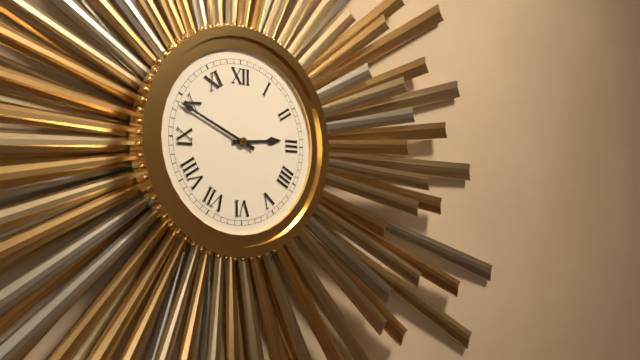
2:49
